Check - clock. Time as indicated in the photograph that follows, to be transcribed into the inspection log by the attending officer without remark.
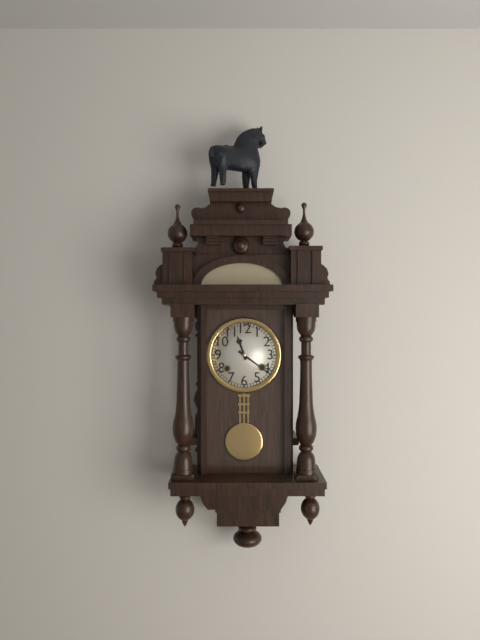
11:21
